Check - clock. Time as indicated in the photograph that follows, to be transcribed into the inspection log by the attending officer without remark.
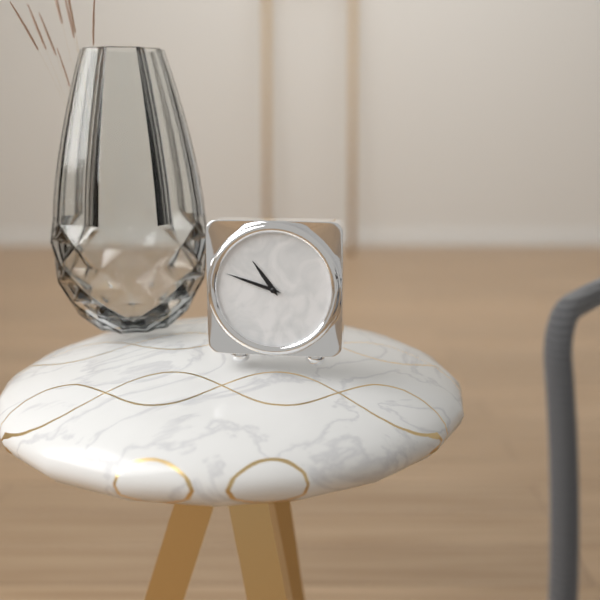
10:48
